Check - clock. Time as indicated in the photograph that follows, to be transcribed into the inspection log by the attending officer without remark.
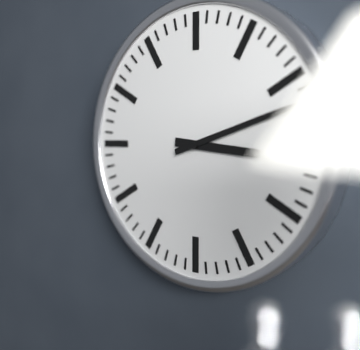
3:12
